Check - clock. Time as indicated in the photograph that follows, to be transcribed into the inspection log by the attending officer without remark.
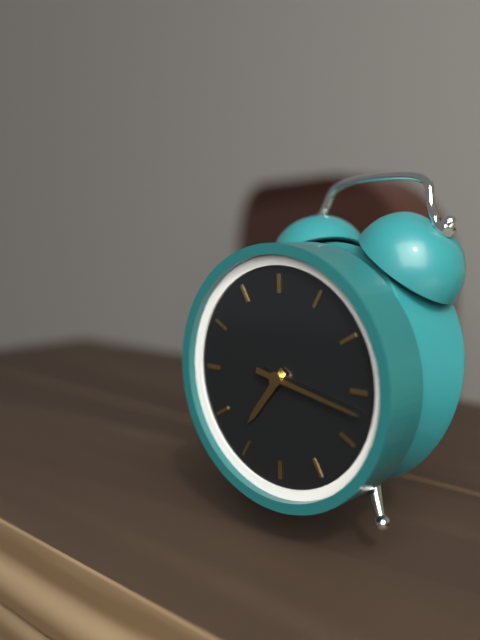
7:17
